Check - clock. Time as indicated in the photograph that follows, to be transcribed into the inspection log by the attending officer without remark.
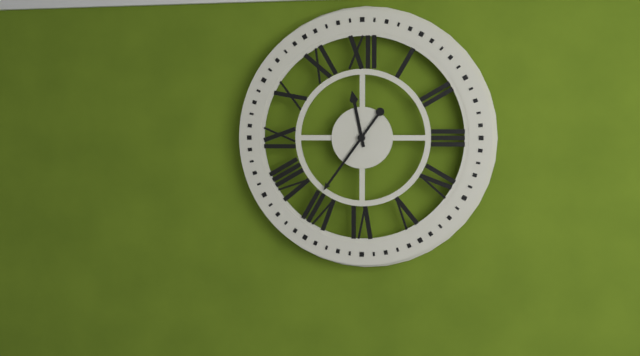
11:36
